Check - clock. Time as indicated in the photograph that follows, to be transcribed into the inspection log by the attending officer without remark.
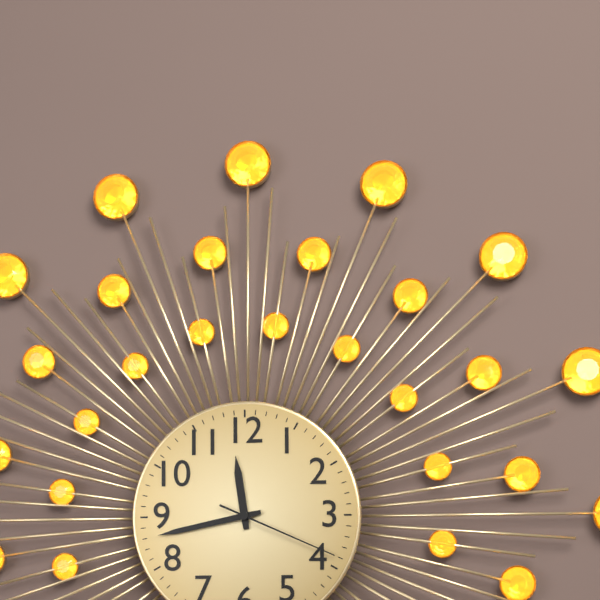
11:43:19
